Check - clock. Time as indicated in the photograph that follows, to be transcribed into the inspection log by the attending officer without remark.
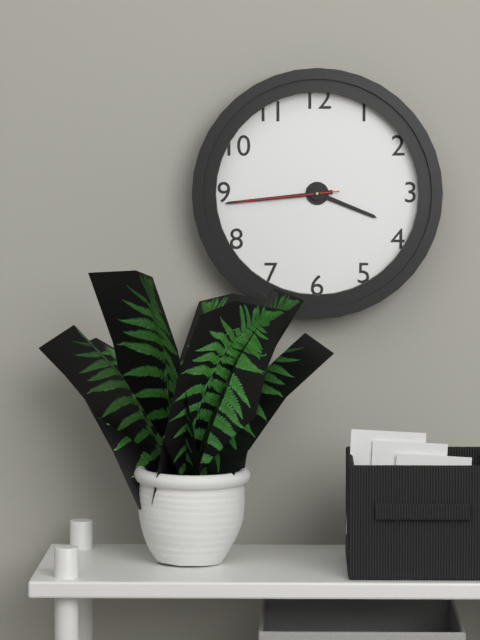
3:44:44
